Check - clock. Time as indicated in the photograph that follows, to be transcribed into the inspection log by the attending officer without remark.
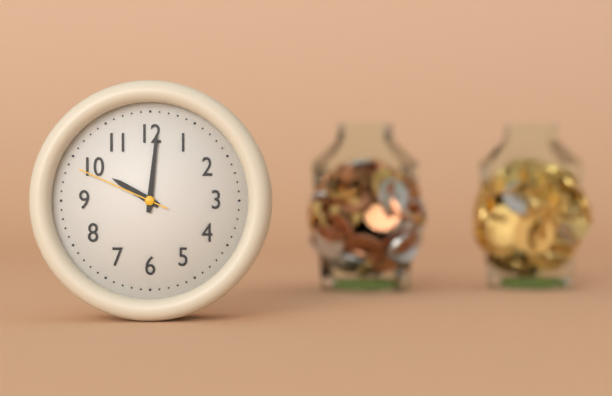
10:01:49
